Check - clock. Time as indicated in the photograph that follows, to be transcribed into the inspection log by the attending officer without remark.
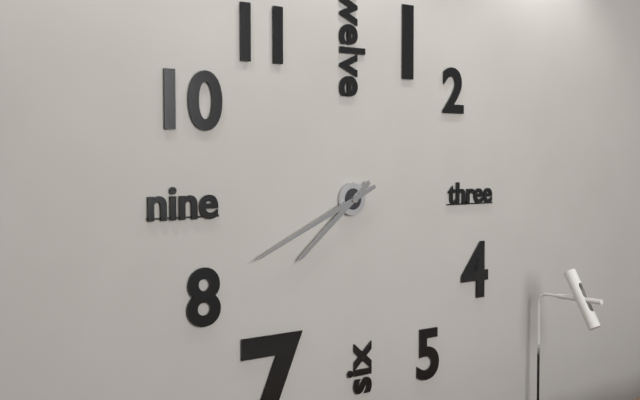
7:41
